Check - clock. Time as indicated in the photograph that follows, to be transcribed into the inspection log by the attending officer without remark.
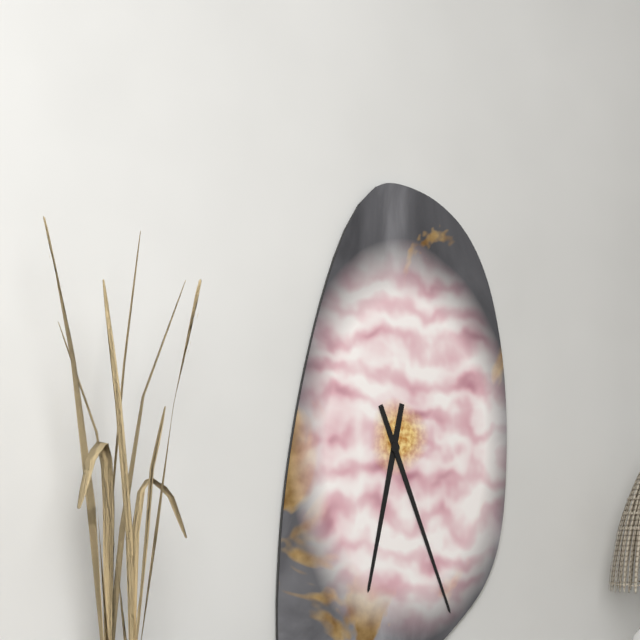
6:26
